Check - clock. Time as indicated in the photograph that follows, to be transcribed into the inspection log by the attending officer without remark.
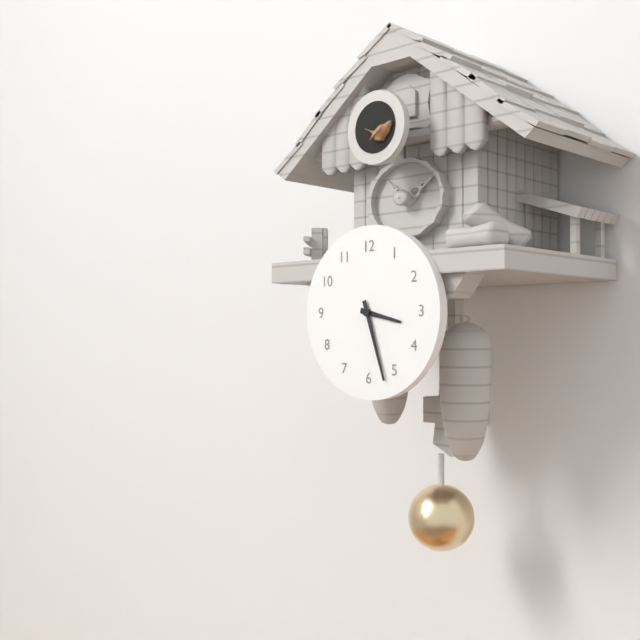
3:27
